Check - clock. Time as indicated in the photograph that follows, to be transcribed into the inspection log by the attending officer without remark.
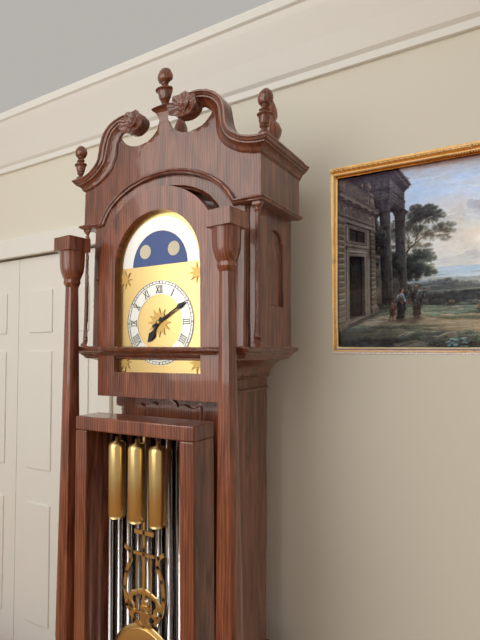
7:10
